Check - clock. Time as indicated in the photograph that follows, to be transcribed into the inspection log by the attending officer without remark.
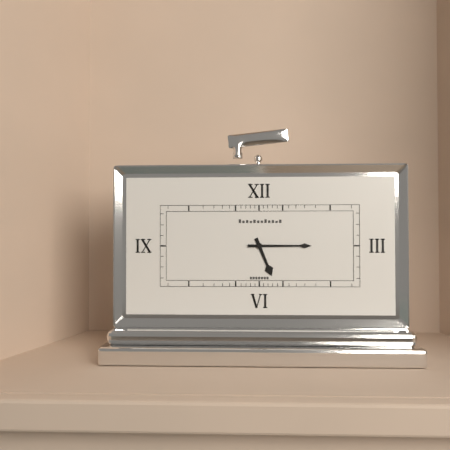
5:15
